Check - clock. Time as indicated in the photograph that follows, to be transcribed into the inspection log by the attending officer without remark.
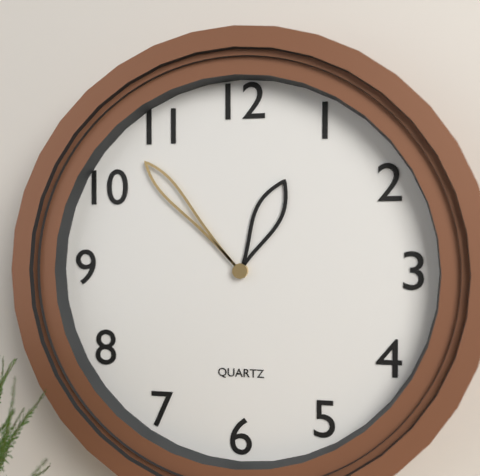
12:53
